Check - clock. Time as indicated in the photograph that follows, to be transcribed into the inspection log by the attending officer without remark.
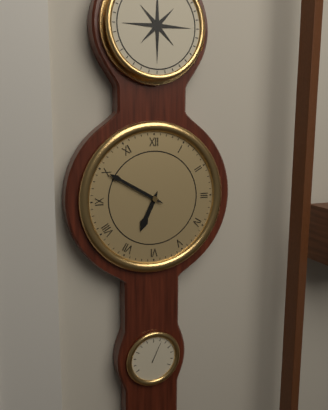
6:50
